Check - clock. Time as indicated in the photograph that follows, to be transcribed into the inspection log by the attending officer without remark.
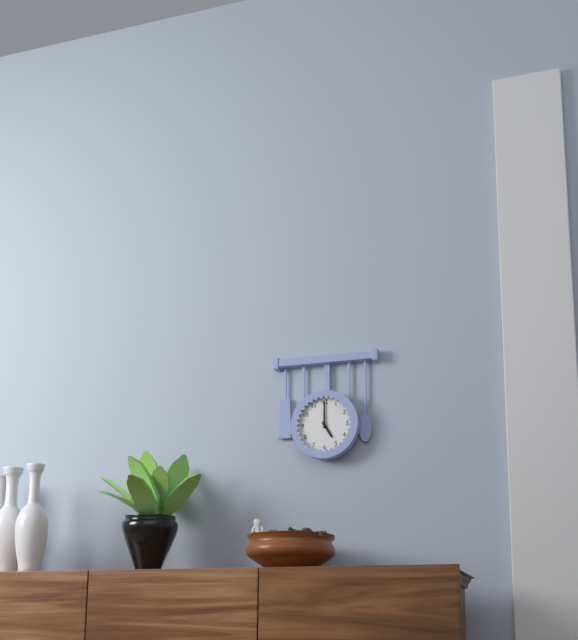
5:00
